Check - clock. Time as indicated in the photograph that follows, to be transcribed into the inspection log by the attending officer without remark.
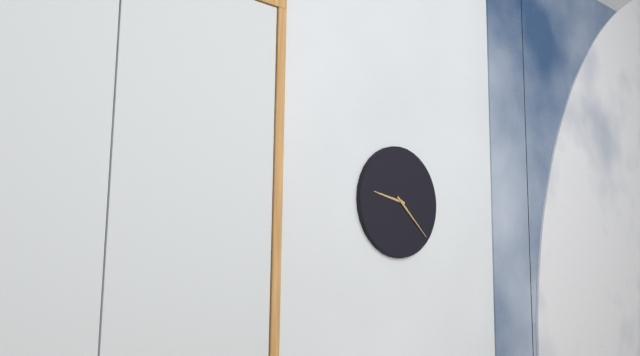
9:22
